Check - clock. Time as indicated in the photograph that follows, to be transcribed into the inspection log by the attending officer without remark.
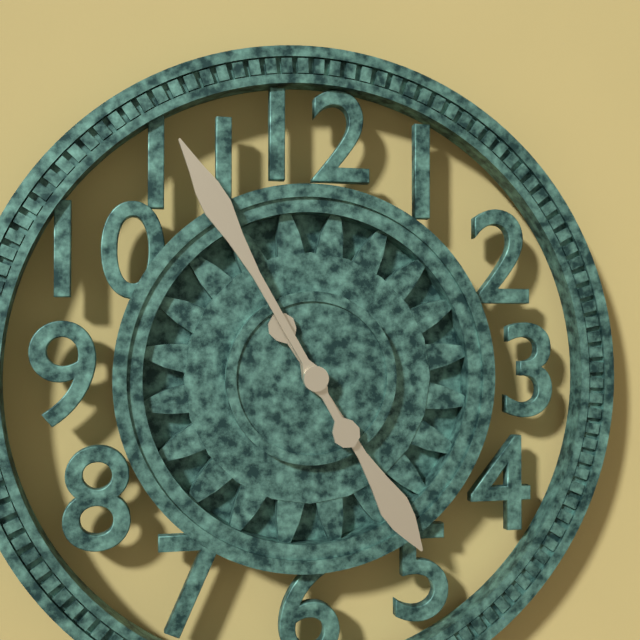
4:55
